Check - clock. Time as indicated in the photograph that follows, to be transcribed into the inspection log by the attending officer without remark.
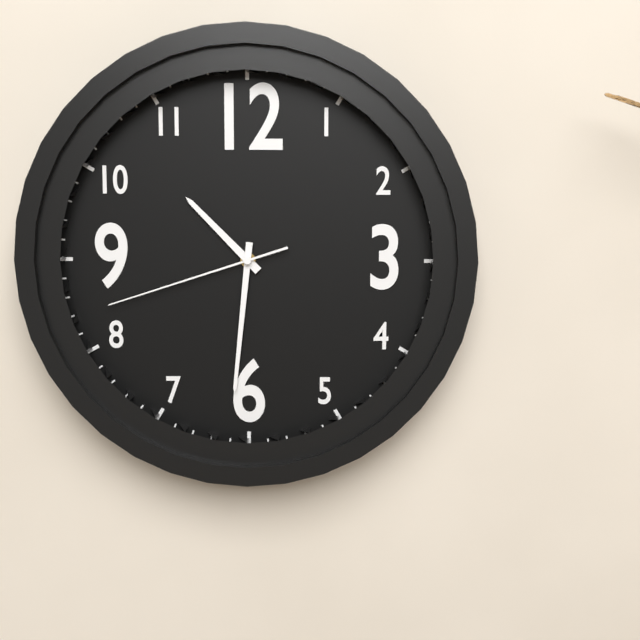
10:31:42
